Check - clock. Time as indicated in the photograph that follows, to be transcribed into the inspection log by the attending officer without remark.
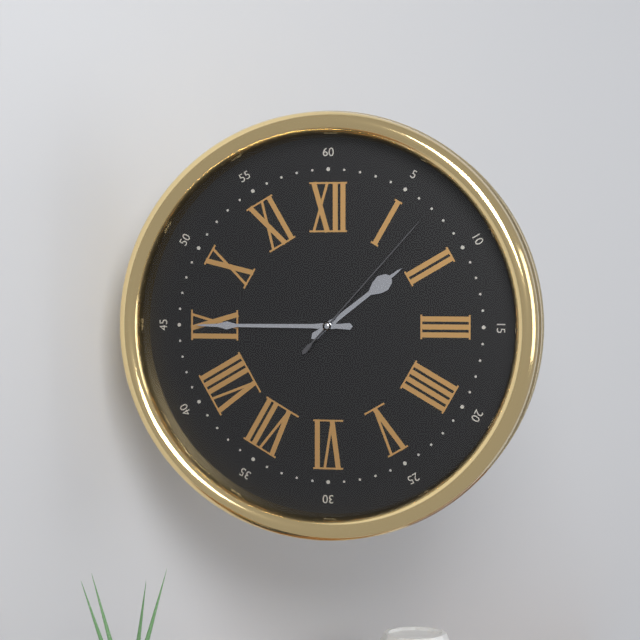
1:45:07
